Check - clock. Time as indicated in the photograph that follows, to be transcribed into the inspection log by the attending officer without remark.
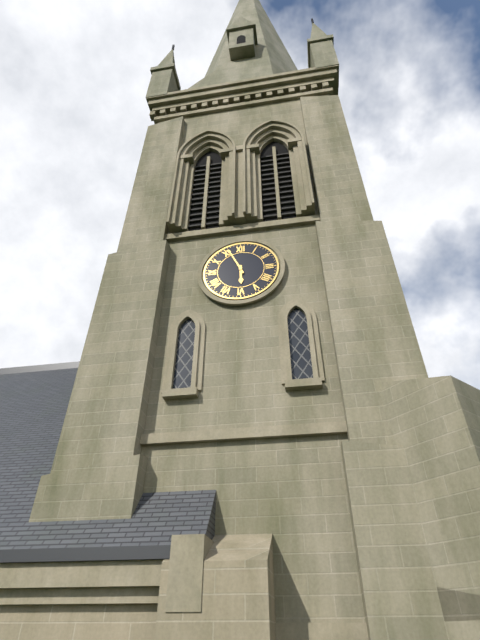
5:56
